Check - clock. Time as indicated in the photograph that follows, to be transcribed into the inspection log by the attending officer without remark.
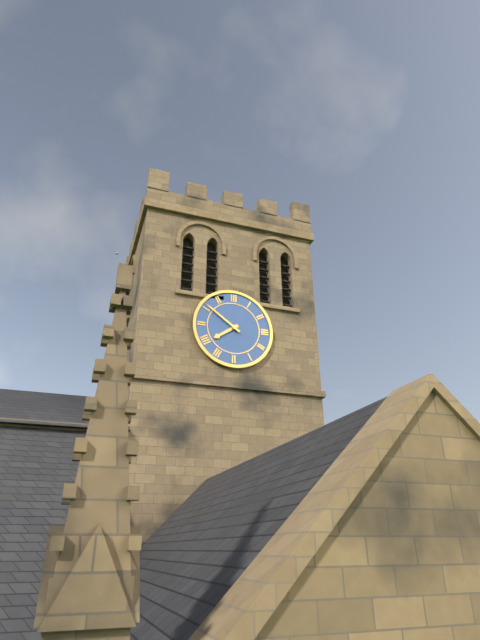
7:51
